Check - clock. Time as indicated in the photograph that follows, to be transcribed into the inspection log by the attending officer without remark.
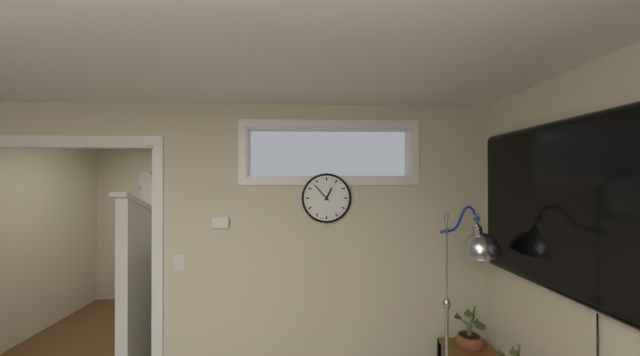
12:53
